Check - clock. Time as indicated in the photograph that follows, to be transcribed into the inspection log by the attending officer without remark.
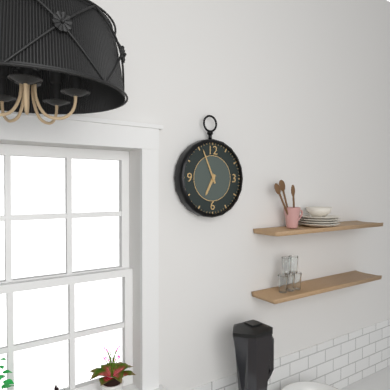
6:56
